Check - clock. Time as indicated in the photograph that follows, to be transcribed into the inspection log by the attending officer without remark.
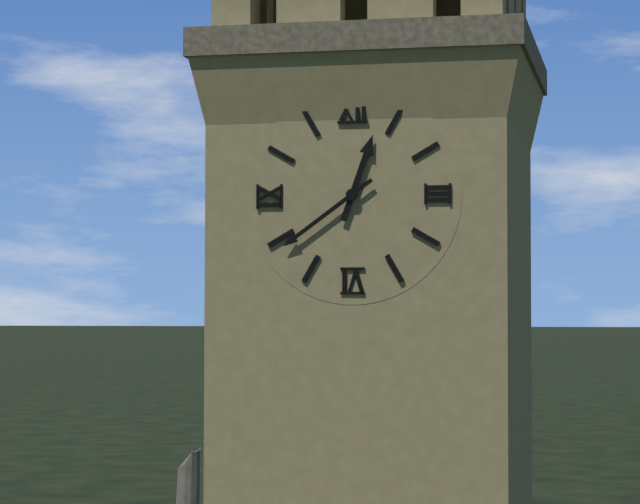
12:39
